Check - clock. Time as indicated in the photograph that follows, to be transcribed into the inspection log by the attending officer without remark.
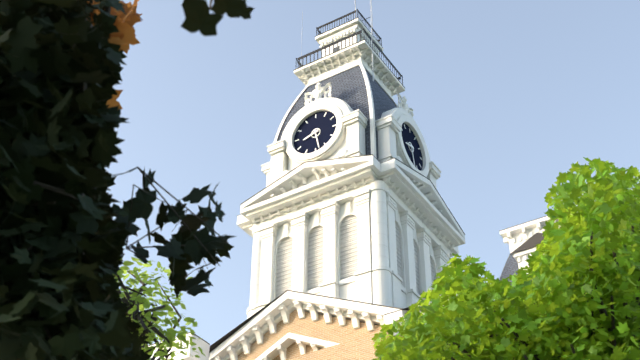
8:28
